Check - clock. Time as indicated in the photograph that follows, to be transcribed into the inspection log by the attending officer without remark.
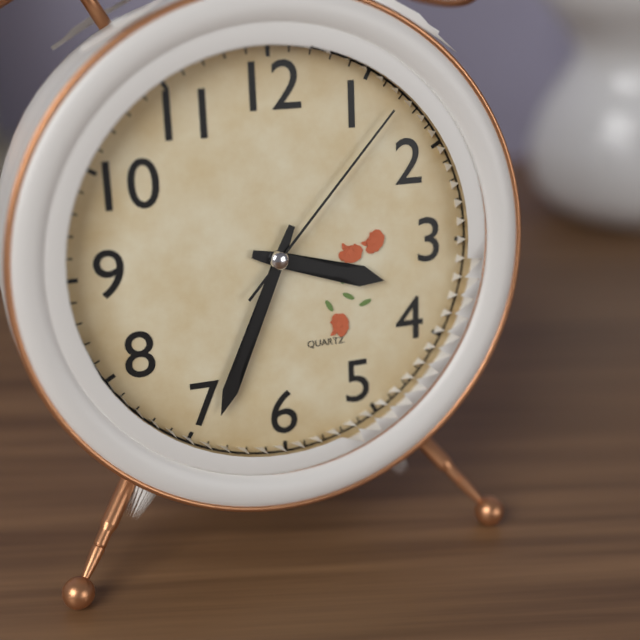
3:34:07
